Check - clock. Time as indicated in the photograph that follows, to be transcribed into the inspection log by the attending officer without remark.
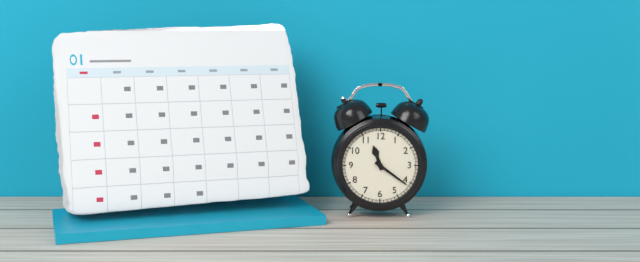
11:21
